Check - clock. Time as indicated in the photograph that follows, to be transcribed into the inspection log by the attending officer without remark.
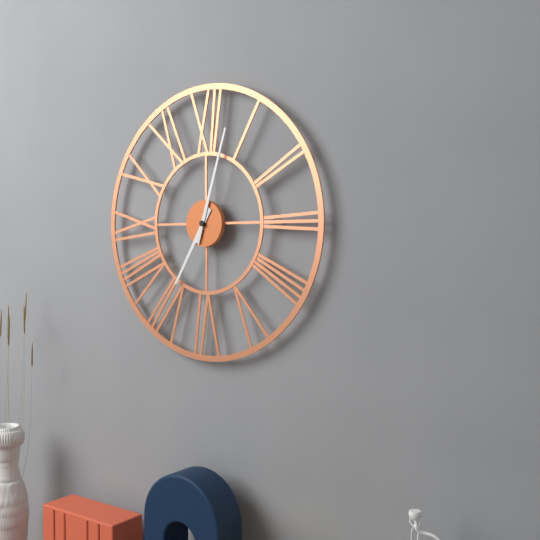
7:03
